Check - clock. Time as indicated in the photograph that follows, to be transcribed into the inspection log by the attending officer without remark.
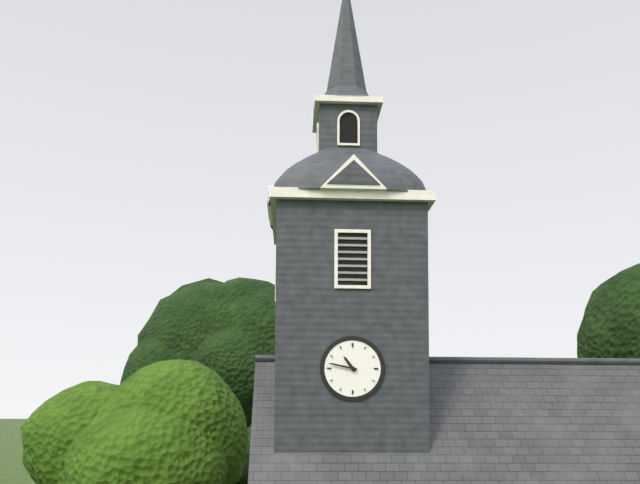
10:47
